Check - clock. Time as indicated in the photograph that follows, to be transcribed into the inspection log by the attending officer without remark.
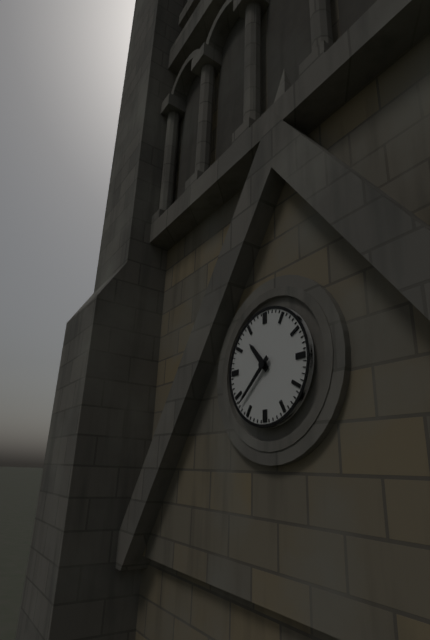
10:38
